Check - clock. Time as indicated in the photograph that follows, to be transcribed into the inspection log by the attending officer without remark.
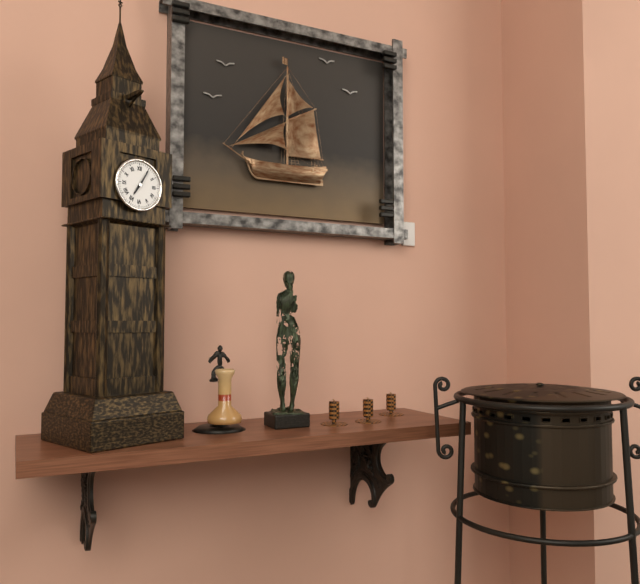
7:05
